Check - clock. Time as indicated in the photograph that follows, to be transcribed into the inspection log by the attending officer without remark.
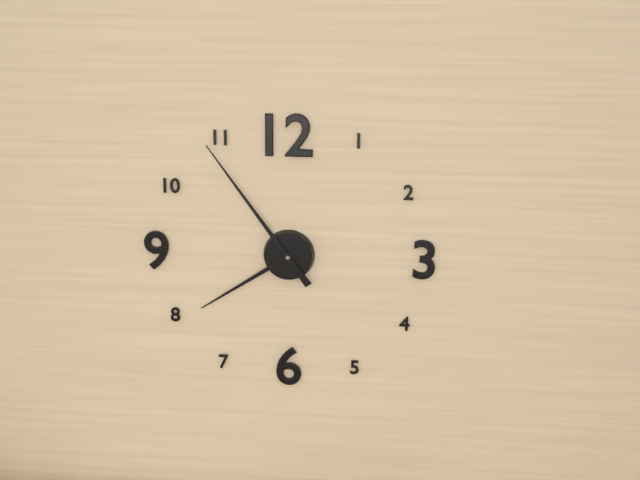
7:54
